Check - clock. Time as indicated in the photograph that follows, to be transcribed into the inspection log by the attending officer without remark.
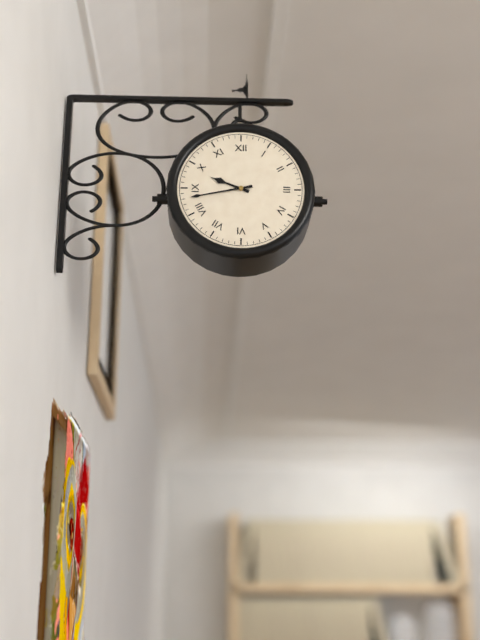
9:43
